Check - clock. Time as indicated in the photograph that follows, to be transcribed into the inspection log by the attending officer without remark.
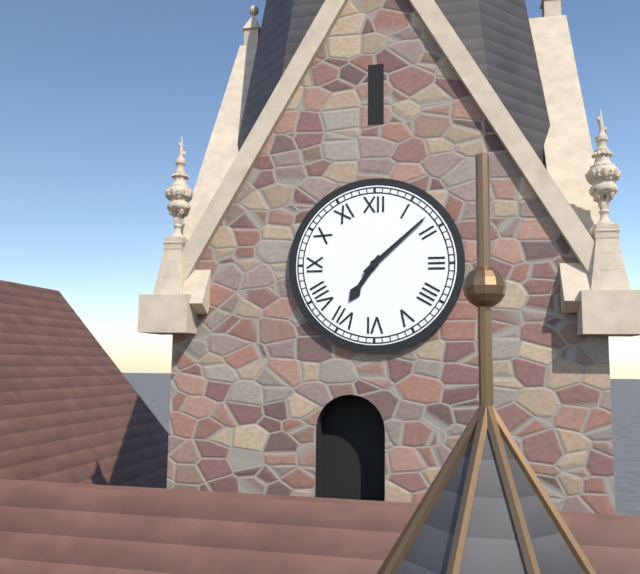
7:08
